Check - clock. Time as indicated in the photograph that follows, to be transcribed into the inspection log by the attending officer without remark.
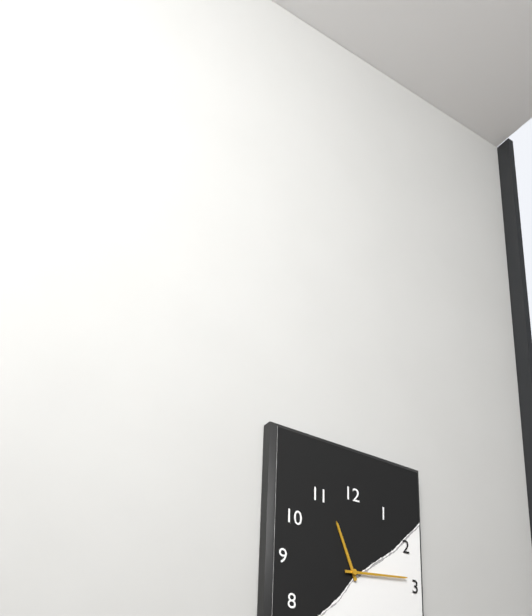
11:14
